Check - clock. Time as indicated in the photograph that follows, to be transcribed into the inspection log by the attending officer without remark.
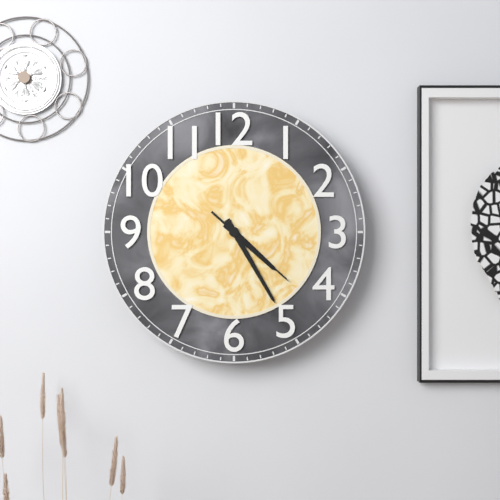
4:25:22
